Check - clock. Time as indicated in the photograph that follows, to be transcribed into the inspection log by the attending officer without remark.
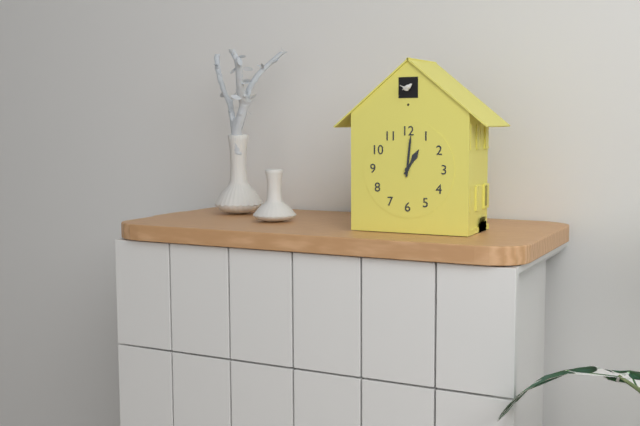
1:01
